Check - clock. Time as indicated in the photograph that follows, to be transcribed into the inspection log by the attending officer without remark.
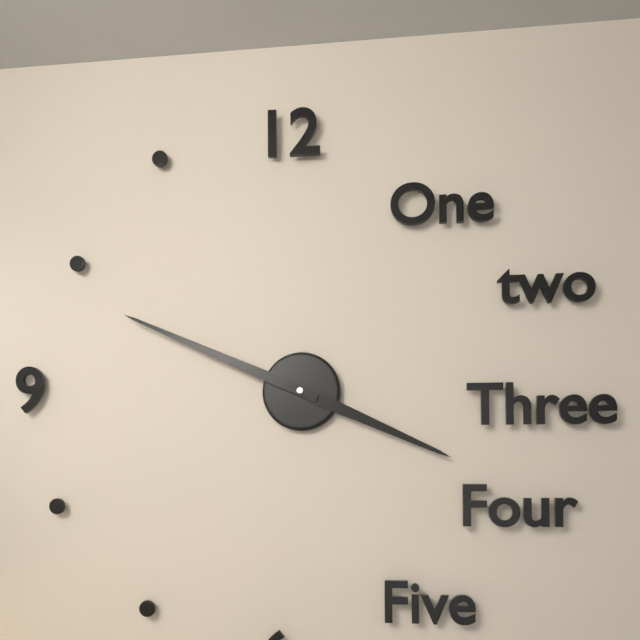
3:49
